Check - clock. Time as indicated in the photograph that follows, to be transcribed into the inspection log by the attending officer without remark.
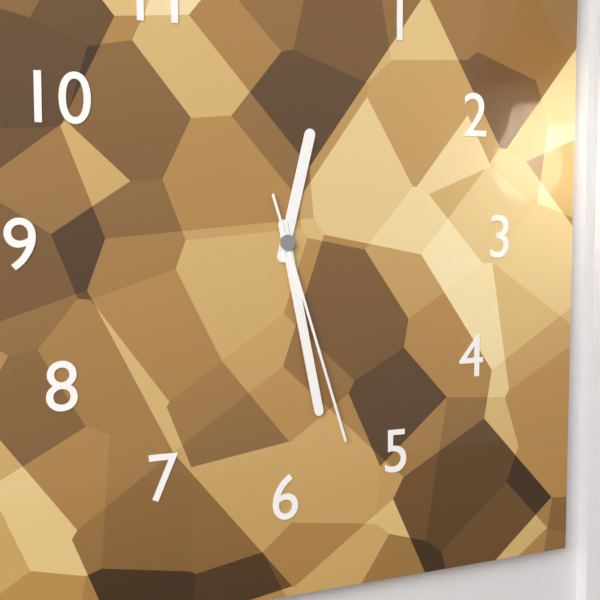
12:28:27
